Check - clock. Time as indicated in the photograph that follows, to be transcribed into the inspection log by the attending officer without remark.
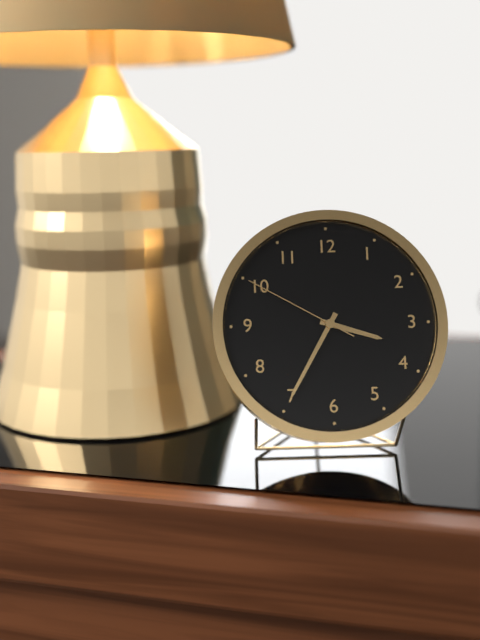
3:35:50
